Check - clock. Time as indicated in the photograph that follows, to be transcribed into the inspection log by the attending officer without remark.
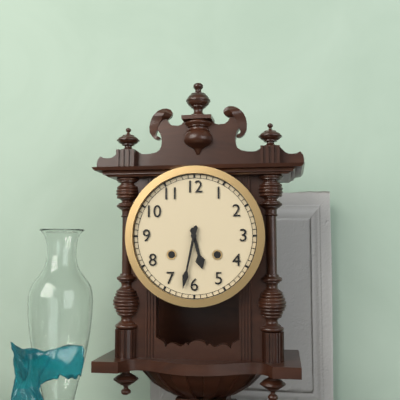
5:32
